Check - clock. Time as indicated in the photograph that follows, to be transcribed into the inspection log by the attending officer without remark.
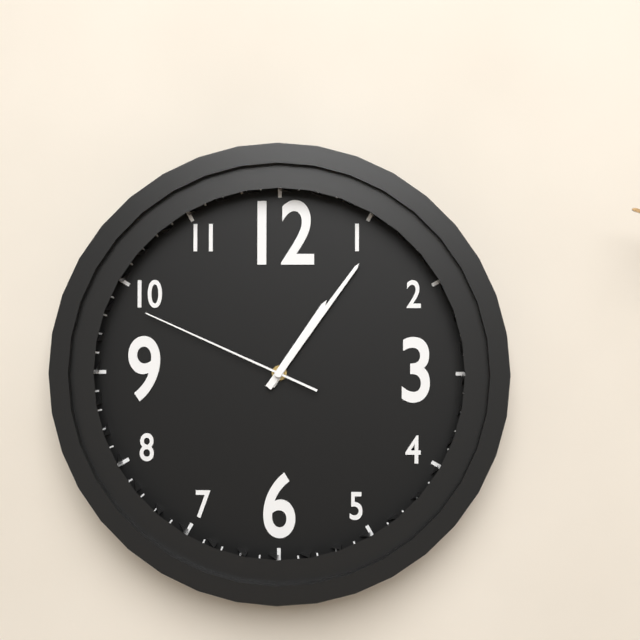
1:06:49
